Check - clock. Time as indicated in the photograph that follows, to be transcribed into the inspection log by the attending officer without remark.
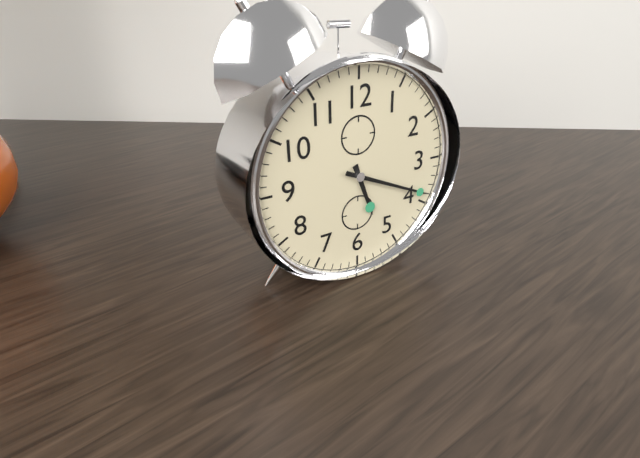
5:19
